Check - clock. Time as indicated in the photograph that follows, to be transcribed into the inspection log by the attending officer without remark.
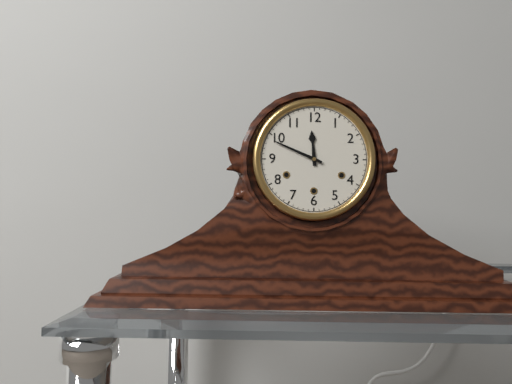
11:49
